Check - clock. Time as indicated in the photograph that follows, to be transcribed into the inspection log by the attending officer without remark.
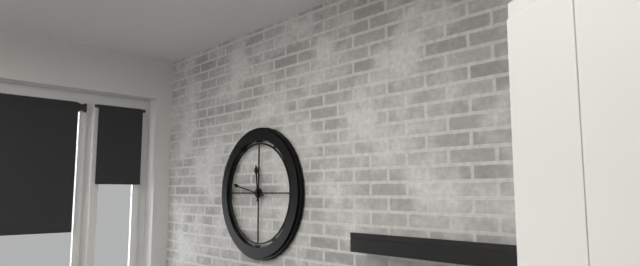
11:47
